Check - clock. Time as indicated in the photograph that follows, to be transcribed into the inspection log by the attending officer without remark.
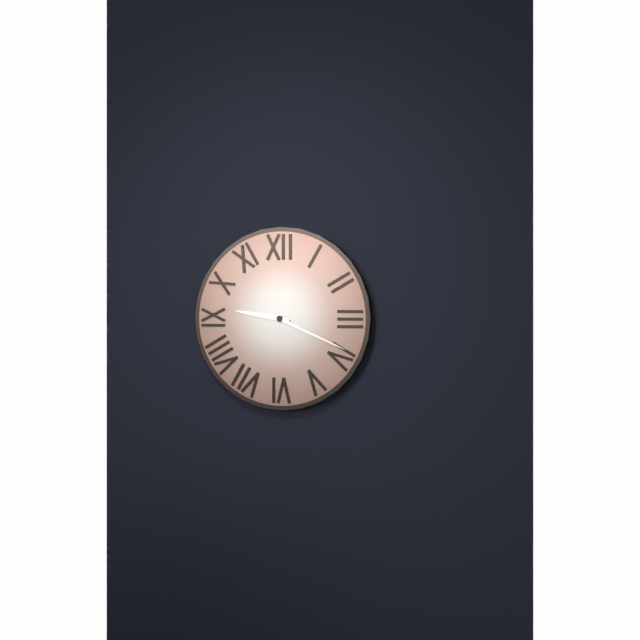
9:19
